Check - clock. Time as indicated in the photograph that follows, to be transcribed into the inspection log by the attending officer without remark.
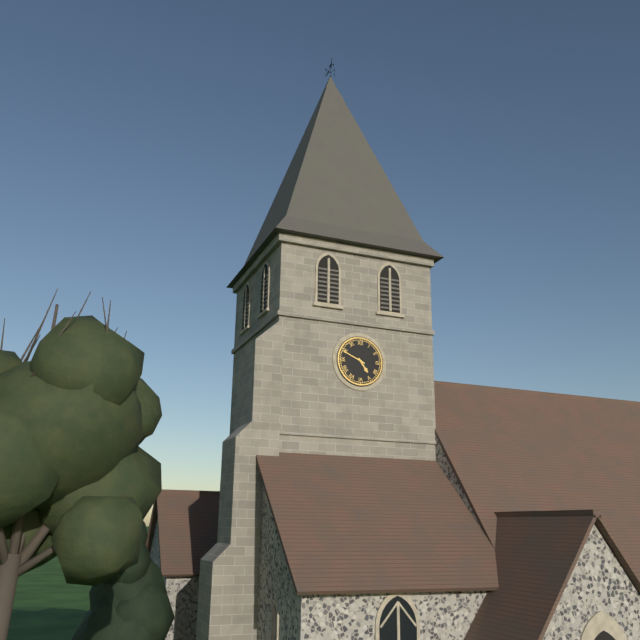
4:49
